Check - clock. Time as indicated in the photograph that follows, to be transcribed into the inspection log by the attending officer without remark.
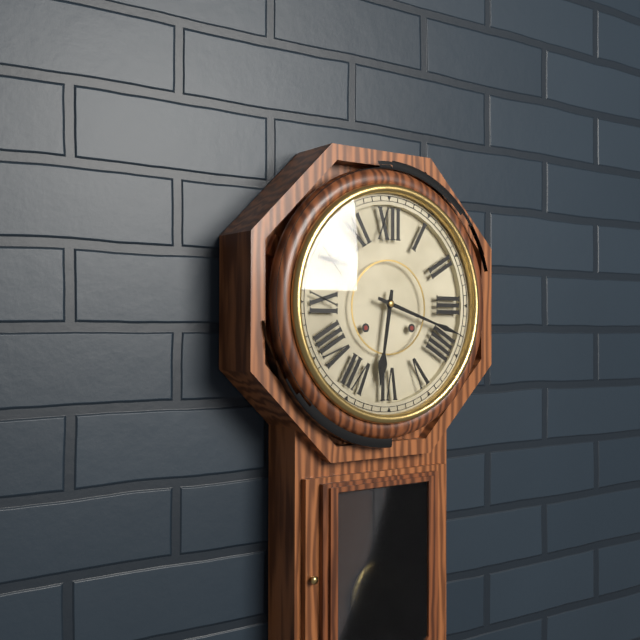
6:18
